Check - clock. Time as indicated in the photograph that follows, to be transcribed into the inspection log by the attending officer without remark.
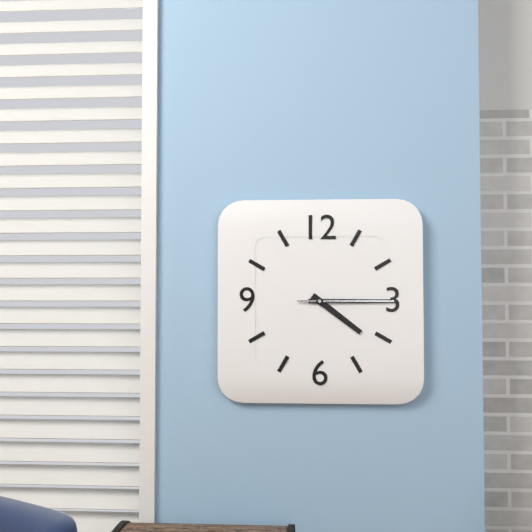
4:15:15
